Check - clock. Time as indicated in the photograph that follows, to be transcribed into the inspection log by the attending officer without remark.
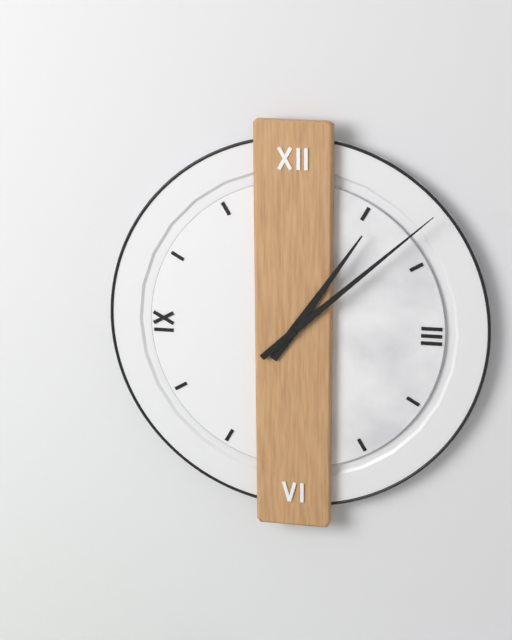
1:08
